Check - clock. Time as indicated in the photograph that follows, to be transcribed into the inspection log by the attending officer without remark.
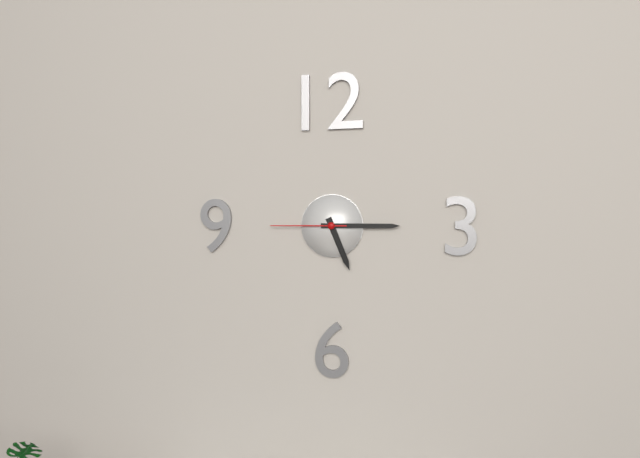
5:15:45
